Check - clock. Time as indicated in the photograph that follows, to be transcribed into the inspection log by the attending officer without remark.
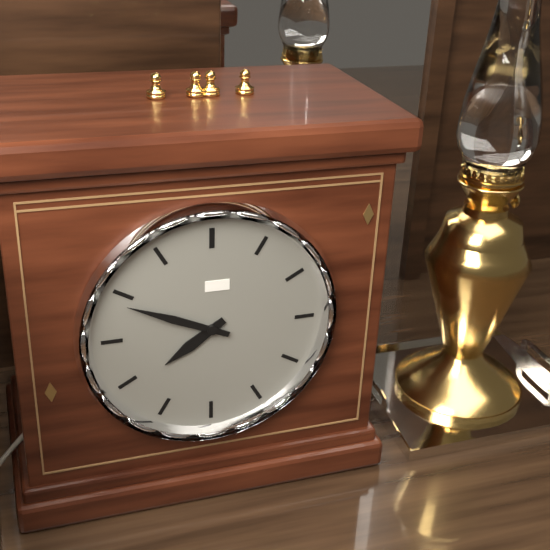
7:49
